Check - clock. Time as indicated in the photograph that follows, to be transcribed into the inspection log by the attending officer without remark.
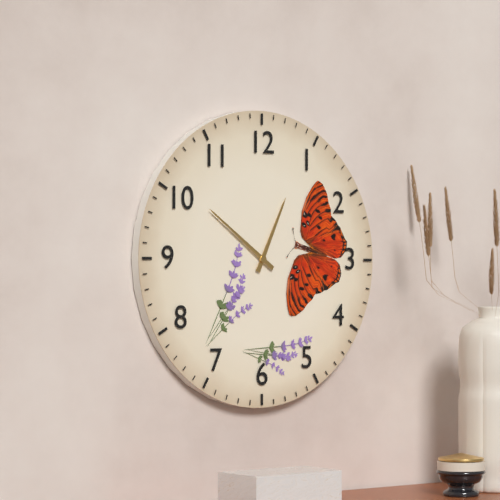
12:51
